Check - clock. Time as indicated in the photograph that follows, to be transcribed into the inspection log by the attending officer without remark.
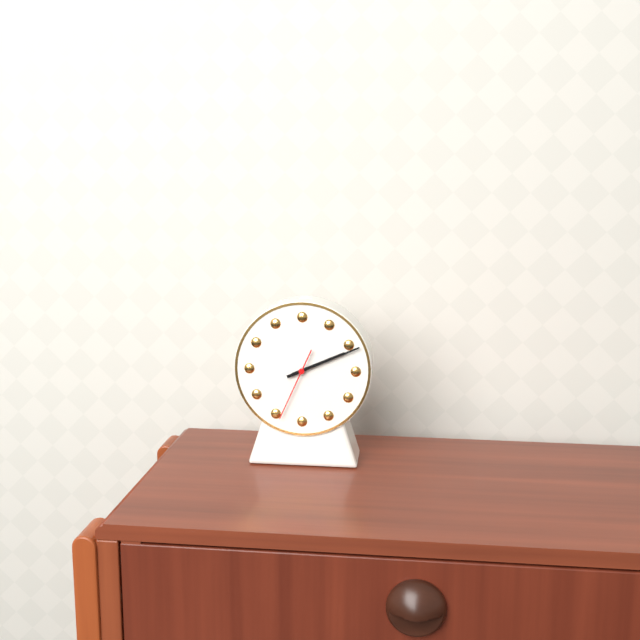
2:11:34
